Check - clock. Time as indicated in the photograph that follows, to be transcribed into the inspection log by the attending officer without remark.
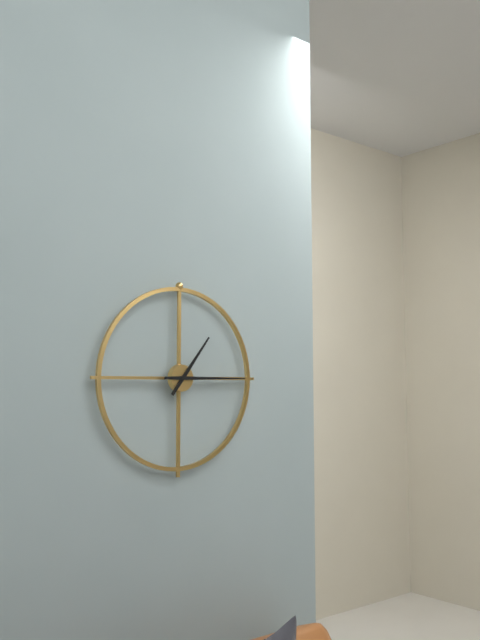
1:15
